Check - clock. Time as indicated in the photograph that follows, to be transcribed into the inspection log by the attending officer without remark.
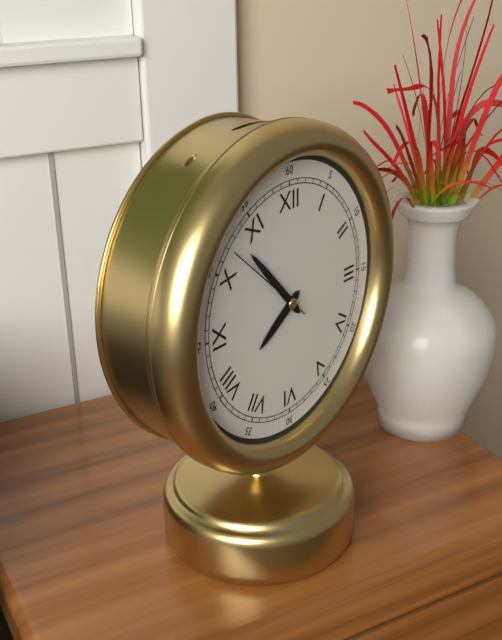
7:53:52
